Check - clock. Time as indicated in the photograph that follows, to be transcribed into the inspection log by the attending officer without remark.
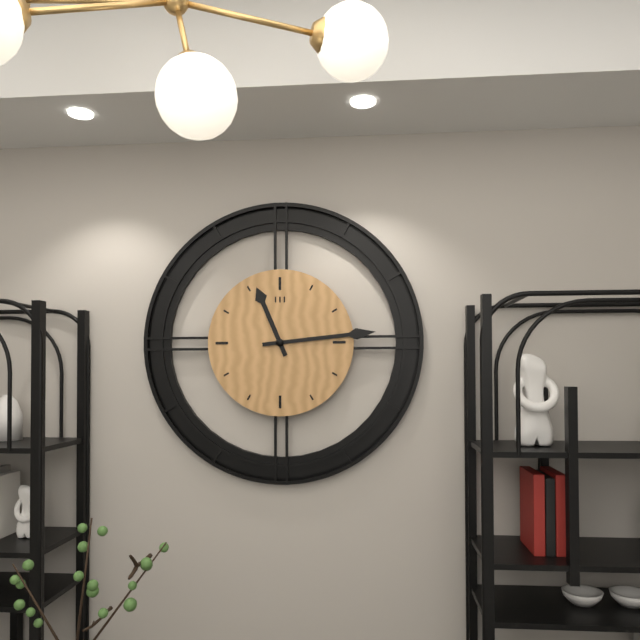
11:14
